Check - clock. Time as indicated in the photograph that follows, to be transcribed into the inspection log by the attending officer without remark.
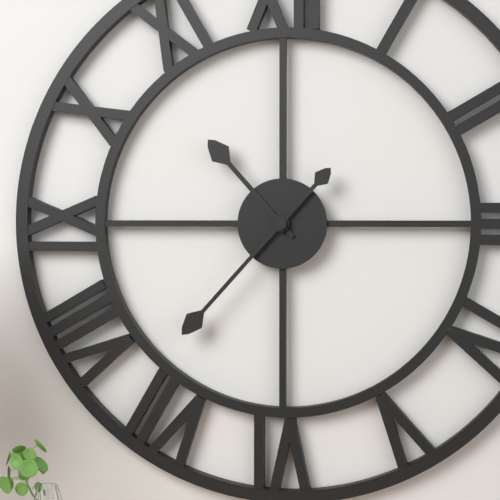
10:37
